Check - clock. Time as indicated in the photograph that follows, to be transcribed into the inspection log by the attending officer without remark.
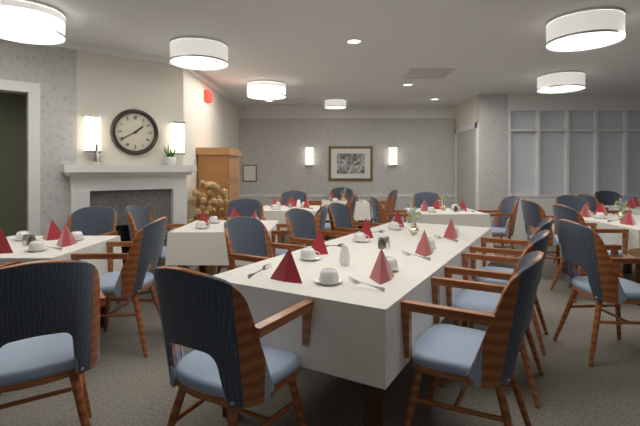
1:40
